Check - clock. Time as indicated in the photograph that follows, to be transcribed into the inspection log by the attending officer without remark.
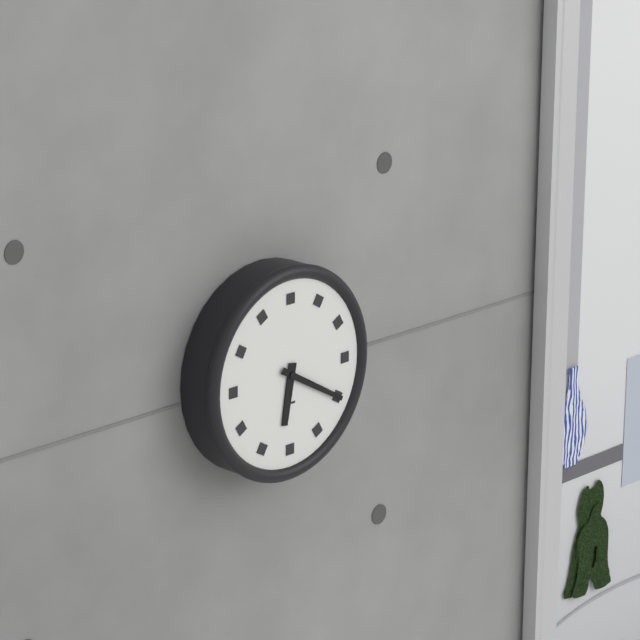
6:20
